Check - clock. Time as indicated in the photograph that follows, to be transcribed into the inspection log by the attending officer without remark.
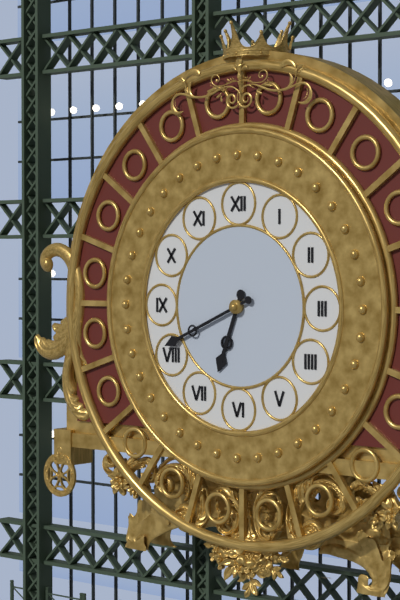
6:41
